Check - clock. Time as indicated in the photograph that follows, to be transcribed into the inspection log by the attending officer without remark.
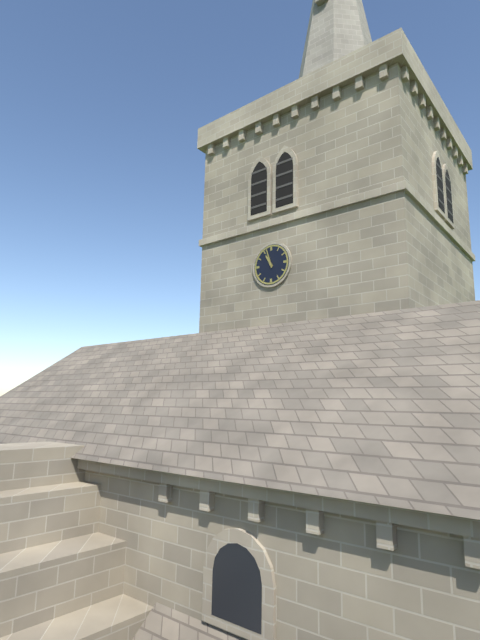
10:57
